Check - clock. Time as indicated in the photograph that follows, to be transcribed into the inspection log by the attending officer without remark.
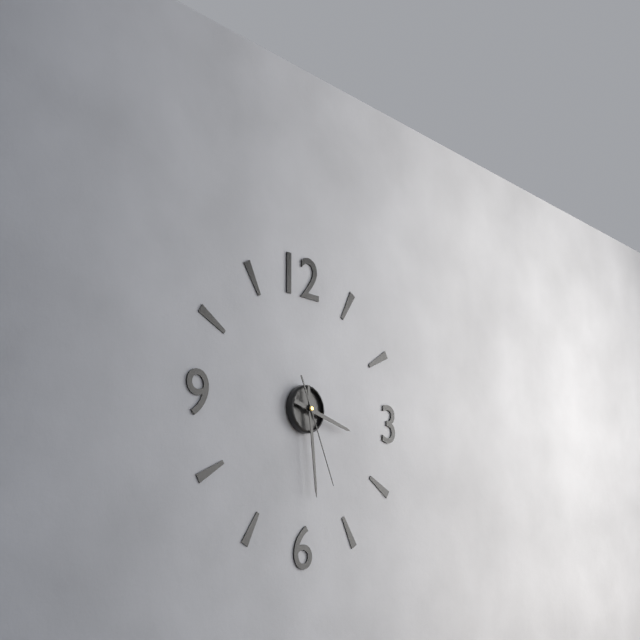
3:29:26
